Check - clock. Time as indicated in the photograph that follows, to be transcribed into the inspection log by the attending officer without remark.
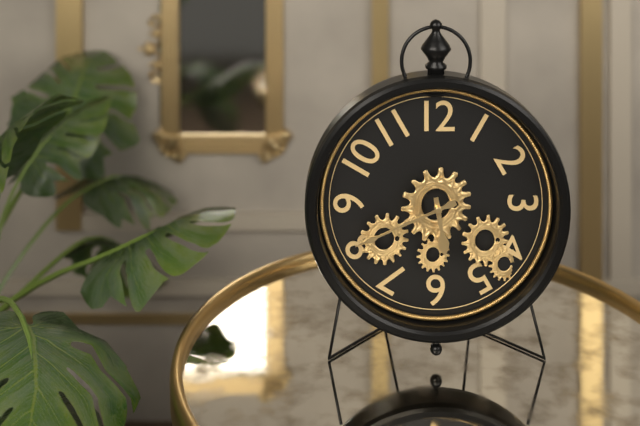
5:41
